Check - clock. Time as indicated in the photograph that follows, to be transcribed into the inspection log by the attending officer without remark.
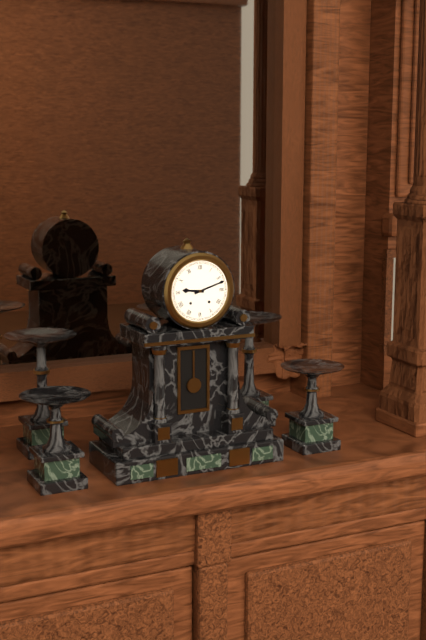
9:12
